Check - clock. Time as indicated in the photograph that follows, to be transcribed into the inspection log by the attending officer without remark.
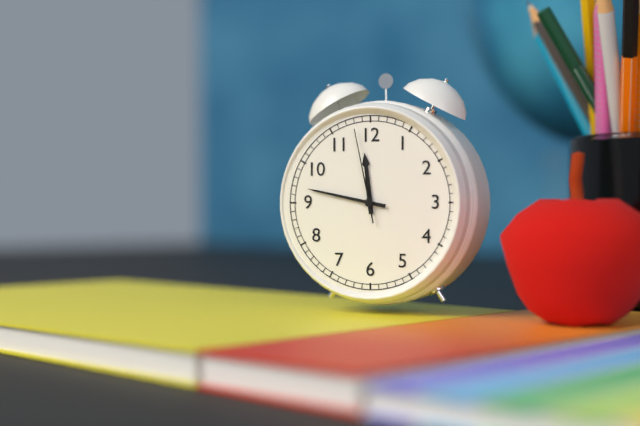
11:47:58
